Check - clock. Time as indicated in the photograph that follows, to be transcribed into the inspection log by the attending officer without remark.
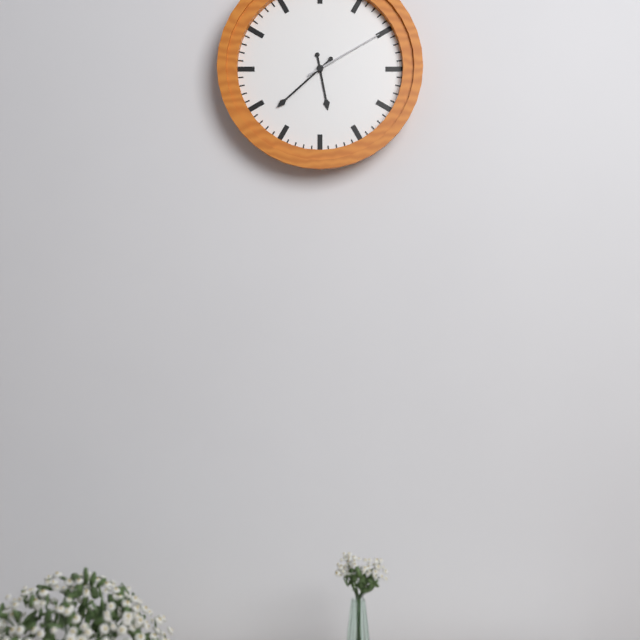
5:38:10
